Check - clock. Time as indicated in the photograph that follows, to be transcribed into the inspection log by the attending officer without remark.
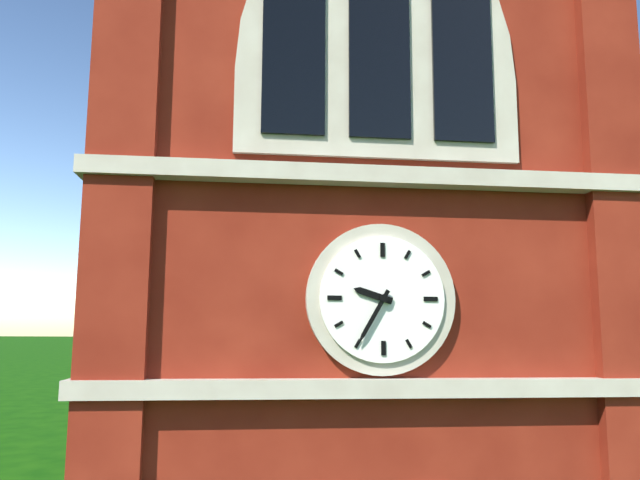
9:35
